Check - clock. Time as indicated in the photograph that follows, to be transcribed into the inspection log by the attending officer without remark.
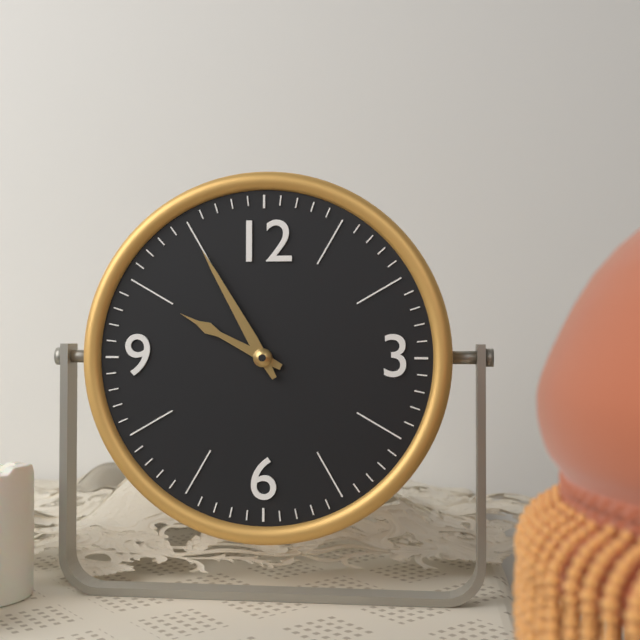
9:55
